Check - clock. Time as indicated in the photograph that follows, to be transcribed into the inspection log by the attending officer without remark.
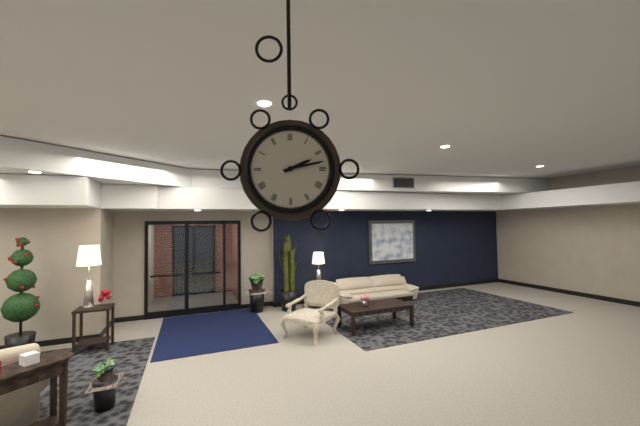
2:13
